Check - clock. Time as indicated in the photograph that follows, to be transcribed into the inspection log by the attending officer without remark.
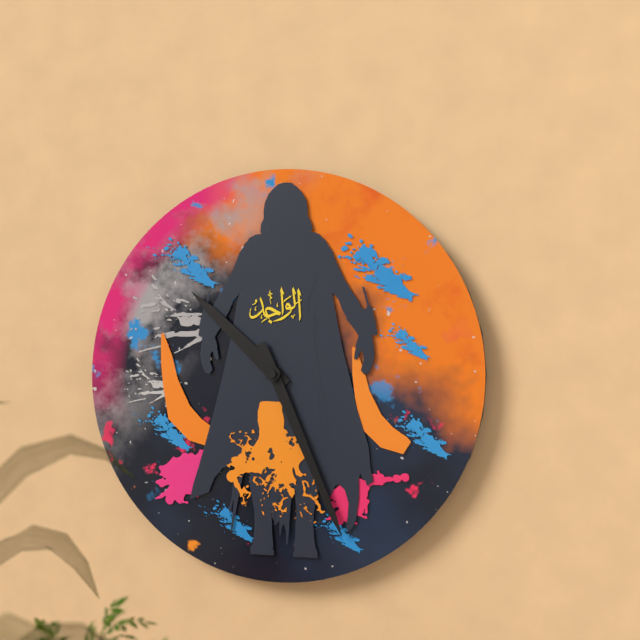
10:26
